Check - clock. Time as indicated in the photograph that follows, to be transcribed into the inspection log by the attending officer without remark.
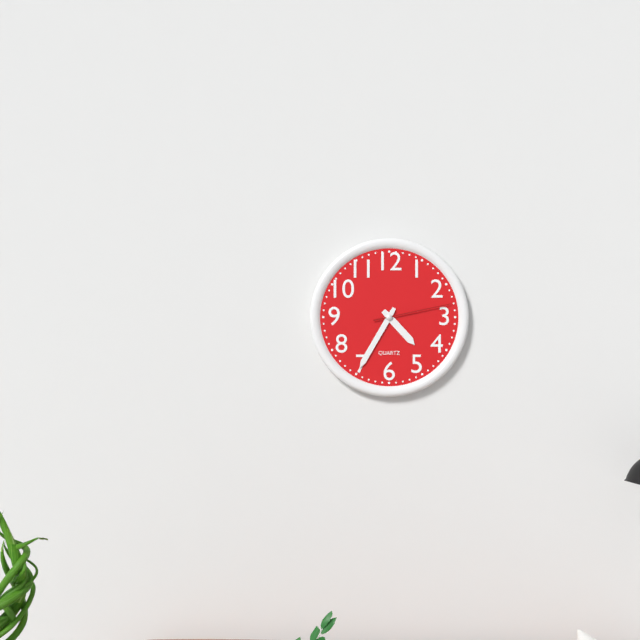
4:35:13
